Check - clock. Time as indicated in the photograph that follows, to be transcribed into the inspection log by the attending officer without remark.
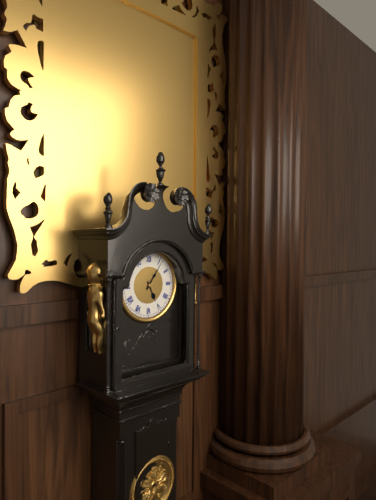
5:06
